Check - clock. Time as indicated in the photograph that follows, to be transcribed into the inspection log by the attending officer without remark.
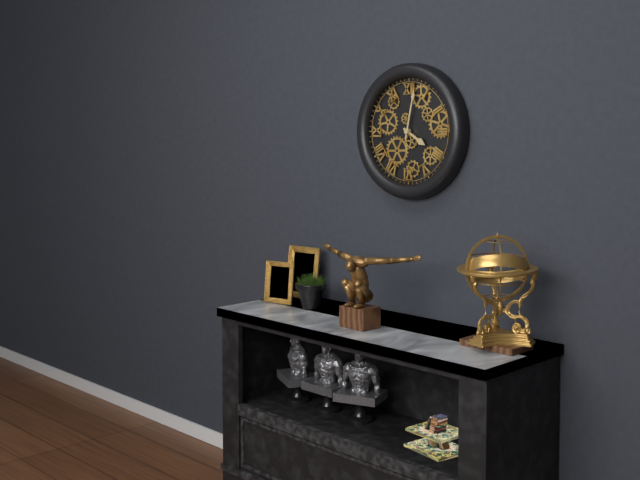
4:02
